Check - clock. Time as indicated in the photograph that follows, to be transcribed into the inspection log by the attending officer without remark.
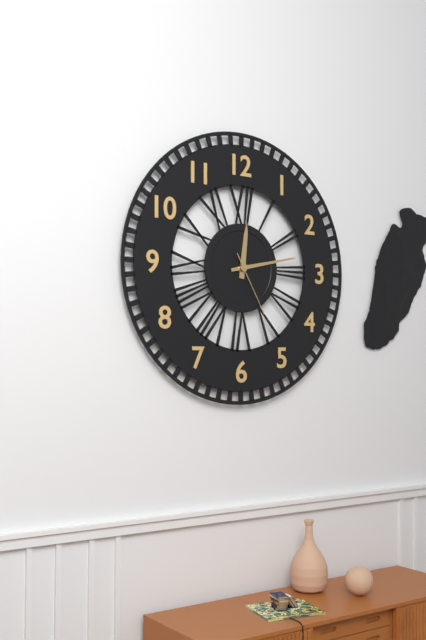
12:13:25
